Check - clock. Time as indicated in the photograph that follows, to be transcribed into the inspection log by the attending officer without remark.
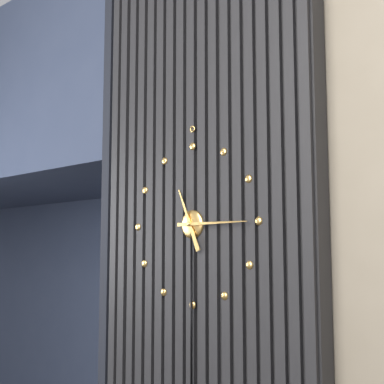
11:15
